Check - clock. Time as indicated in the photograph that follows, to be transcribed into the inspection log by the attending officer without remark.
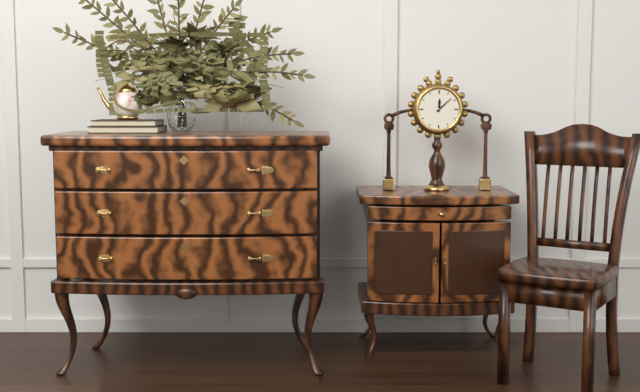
12:08
